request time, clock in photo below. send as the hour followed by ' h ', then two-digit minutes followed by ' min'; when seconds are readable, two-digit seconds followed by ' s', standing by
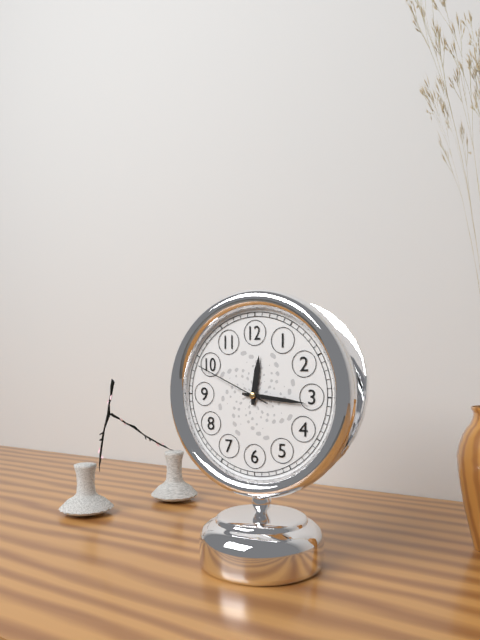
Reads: 12 h 16 min 49 s
